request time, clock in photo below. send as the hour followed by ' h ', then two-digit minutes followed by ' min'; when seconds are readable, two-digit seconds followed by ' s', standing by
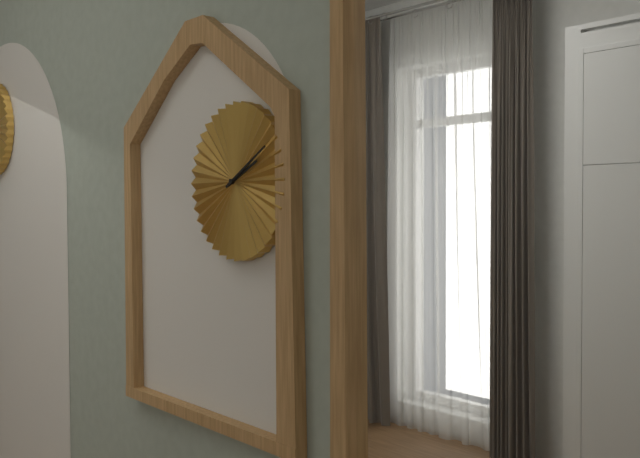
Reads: 2 h 10 min
